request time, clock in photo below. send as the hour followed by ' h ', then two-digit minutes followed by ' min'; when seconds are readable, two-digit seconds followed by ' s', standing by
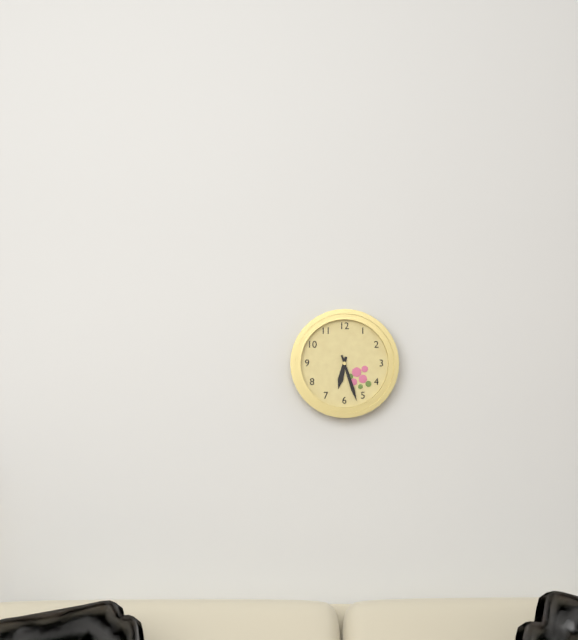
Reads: 6 h 27 min
